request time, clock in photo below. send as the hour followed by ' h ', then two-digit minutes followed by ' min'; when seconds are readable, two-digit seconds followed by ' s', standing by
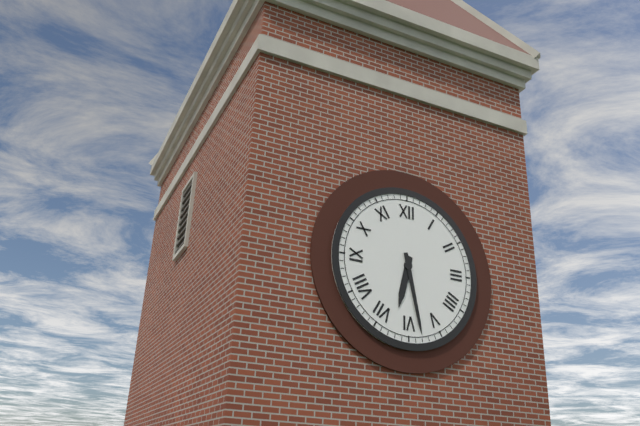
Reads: 6 h 28 min
